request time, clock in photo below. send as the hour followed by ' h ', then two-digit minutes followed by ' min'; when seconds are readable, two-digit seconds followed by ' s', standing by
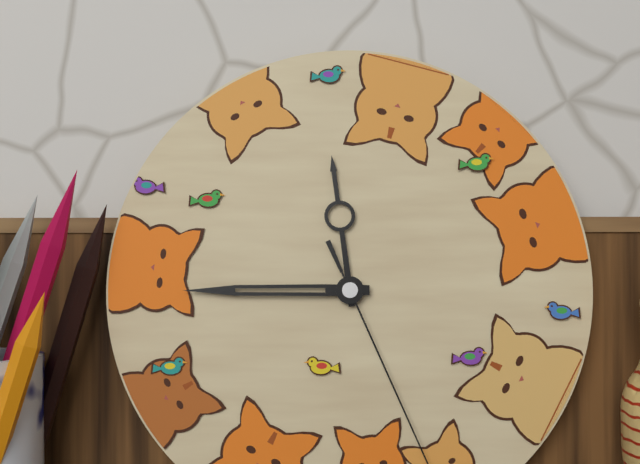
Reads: 11 h 45 min
